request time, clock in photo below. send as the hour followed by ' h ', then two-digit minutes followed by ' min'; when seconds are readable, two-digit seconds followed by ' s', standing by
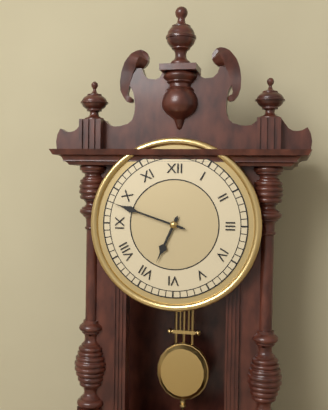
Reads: 6 h 48 min
